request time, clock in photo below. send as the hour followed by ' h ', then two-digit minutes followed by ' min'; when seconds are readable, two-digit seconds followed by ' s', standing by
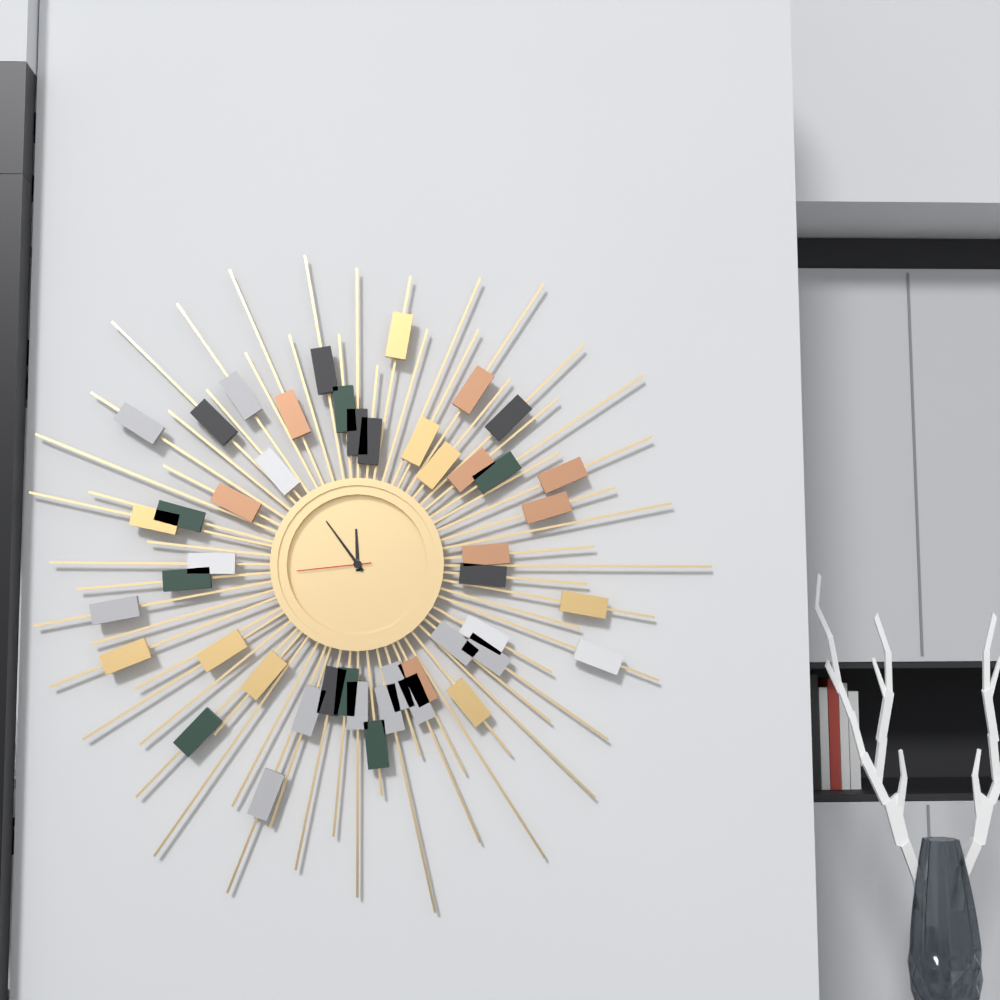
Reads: 11 h 54 min 44 s
